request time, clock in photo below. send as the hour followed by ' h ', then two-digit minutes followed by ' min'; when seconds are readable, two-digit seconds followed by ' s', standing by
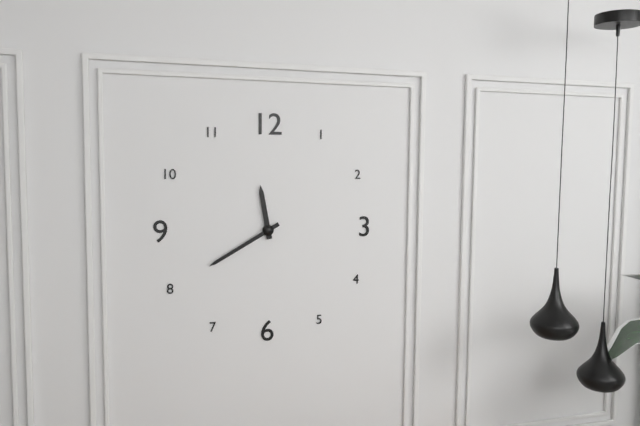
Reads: 11 h 40 min
